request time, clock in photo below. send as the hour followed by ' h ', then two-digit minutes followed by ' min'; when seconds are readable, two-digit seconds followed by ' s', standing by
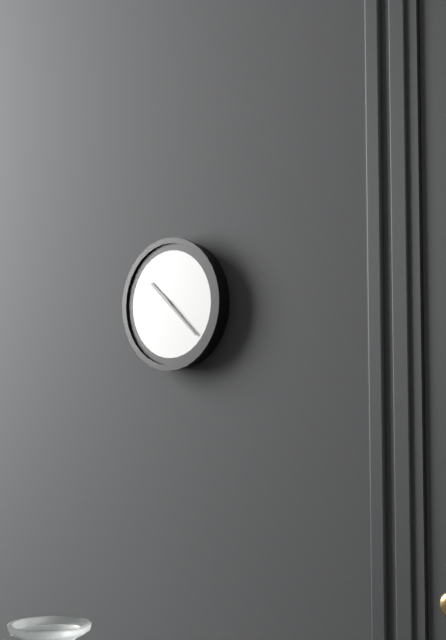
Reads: 10 h 22 min
